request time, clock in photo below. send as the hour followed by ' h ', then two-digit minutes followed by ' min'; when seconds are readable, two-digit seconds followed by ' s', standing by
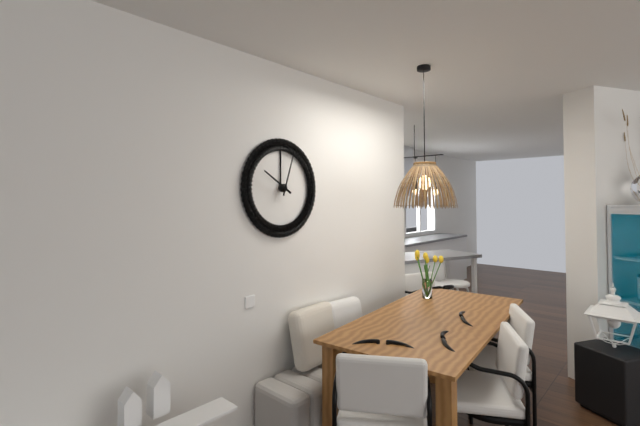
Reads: 10 h 03 min
